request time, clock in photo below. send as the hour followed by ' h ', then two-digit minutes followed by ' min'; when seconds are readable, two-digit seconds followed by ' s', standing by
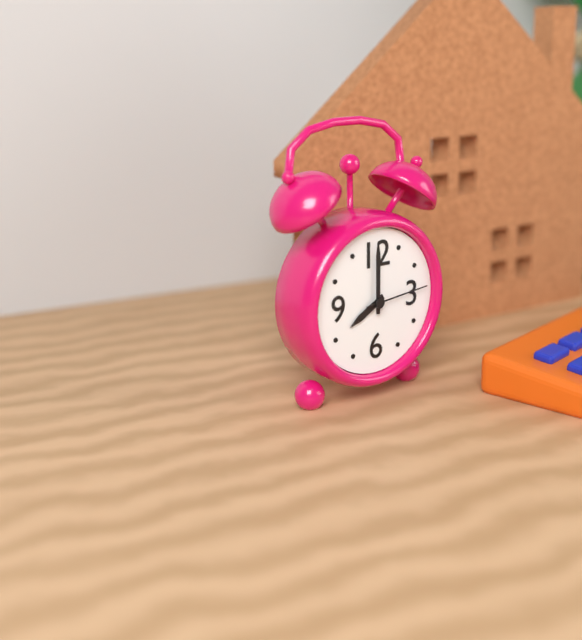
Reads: 8 h 00 min 14 s
